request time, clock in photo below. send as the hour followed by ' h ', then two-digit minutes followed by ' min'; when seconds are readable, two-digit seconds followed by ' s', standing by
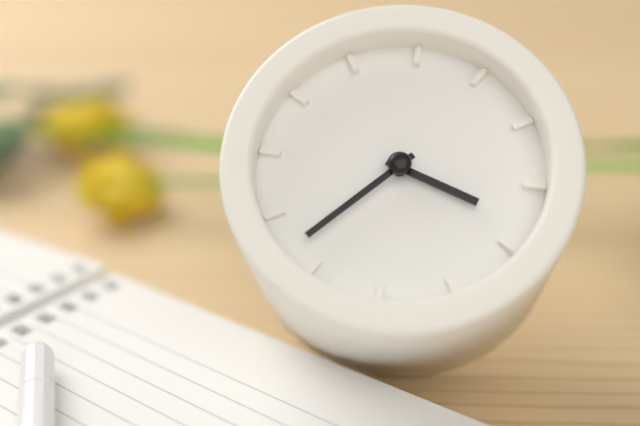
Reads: 3 h 37 min
